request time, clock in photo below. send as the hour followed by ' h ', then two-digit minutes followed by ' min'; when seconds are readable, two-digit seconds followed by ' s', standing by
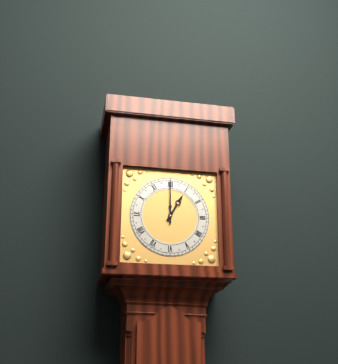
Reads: 1 h 00 min
